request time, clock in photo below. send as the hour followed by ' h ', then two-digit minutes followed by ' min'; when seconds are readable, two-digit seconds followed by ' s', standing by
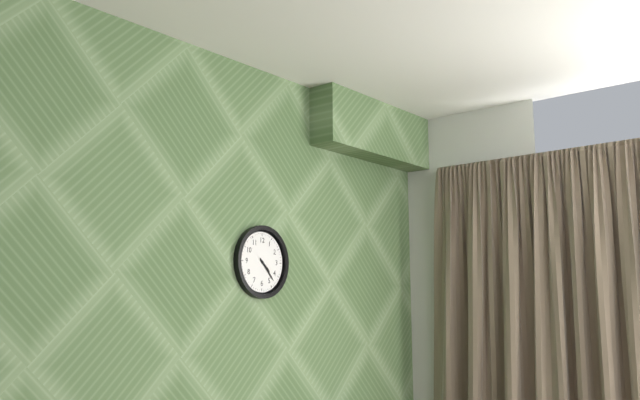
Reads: 4 h 23 min
